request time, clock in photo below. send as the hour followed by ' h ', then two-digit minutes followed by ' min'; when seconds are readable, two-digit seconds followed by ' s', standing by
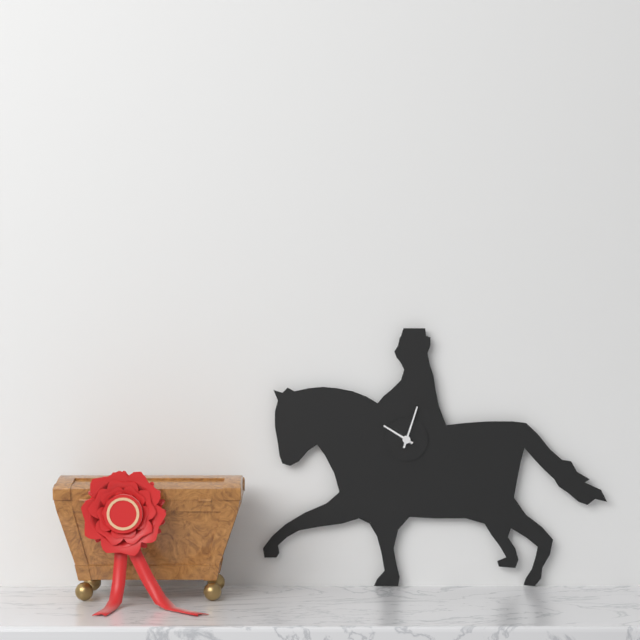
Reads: 10 h 03 min
